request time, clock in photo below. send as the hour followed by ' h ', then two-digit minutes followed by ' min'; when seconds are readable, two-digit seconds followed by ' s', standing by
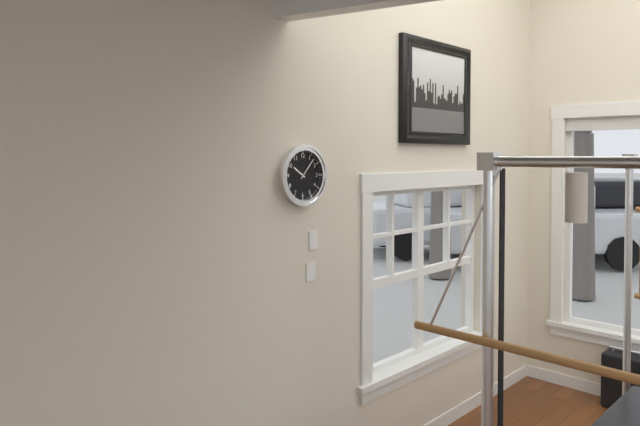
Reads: 10 h 07 min
